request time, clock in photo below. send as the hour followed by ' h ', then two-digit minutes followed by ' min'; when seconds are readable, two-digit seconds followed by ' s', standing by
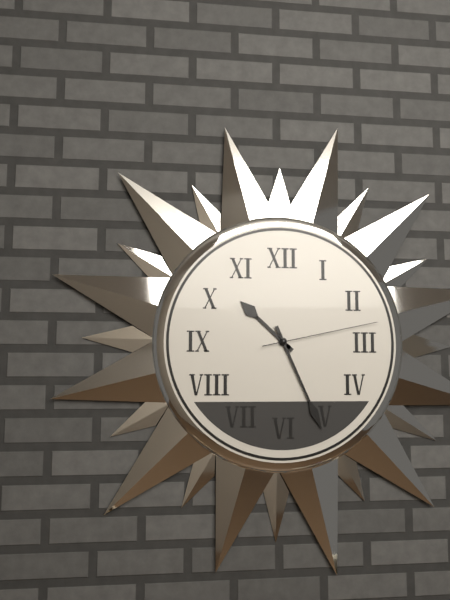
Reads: 10 h 26 min 13 s
